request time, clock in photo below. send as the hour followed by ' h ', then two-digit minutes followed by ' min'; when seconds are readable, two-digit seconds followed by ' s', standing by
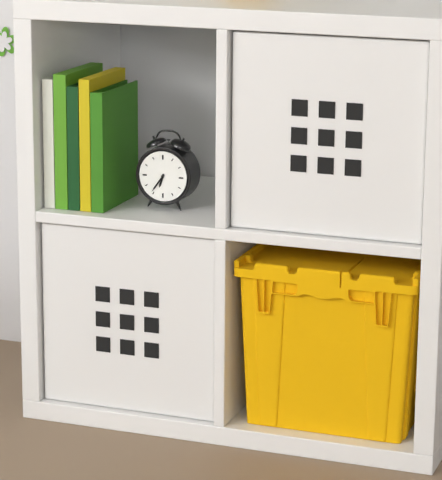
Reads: 6 h 36 min
